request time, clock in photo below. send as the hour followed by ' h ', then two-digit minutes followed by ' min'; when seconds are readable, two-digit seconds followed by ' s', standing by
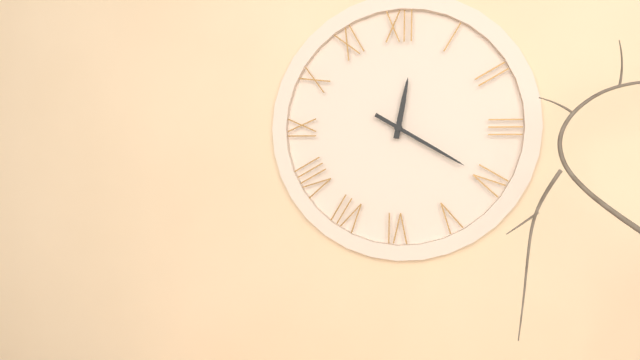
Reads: 12 h 20 min
